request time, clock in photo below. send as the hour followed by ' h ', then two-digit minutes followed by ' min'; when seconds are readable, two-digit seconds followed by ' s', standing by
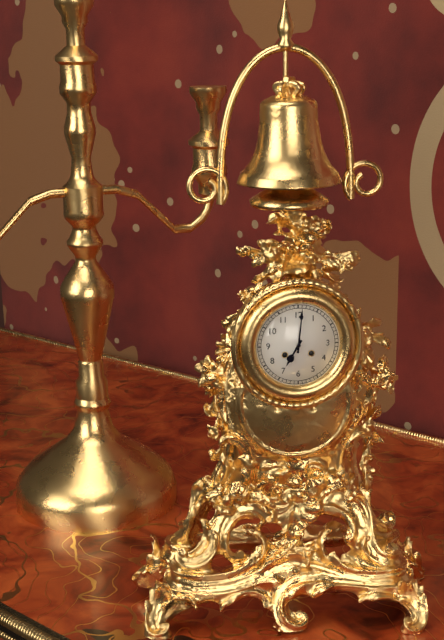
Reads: 7 h 01 min
